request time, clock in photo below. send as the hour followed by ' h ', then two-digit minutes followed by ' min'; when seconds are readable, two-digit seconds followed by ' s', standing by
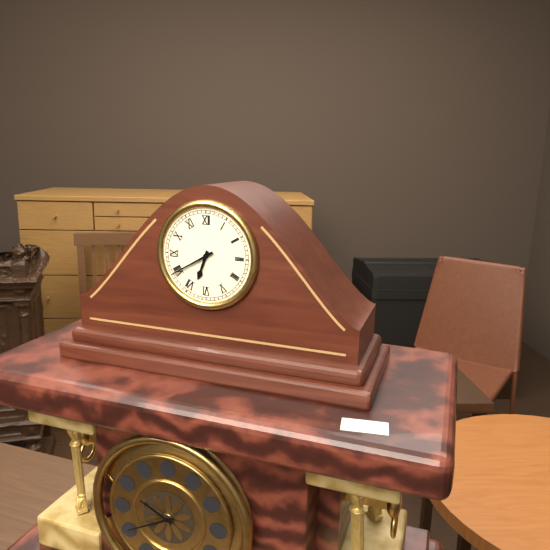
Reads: 6 h 40 min
